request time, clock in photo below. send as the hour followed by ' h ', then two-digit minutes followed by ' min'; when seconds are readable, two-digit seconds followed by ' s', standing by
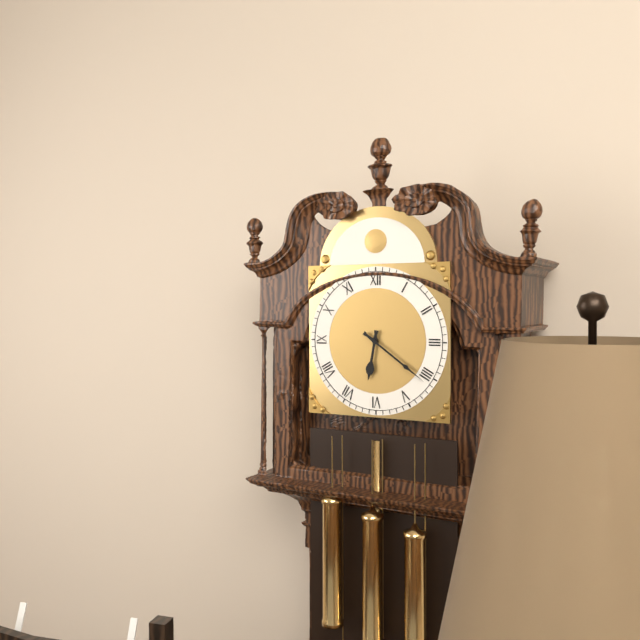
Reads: 6 h 21 min
